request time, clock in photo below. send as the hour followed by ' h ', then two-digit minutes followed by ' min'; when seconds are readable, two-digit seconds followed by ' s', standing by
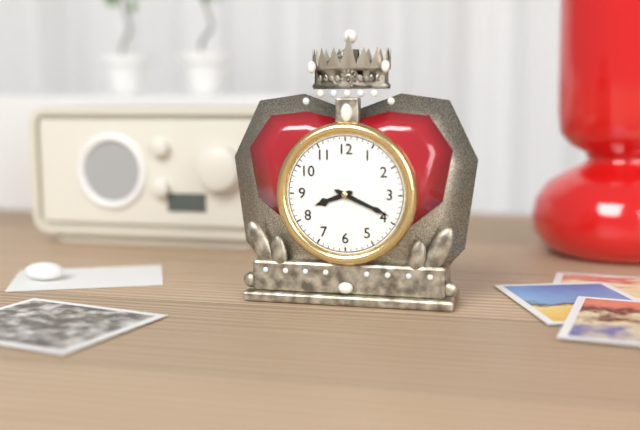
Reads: 8 h 19 min
